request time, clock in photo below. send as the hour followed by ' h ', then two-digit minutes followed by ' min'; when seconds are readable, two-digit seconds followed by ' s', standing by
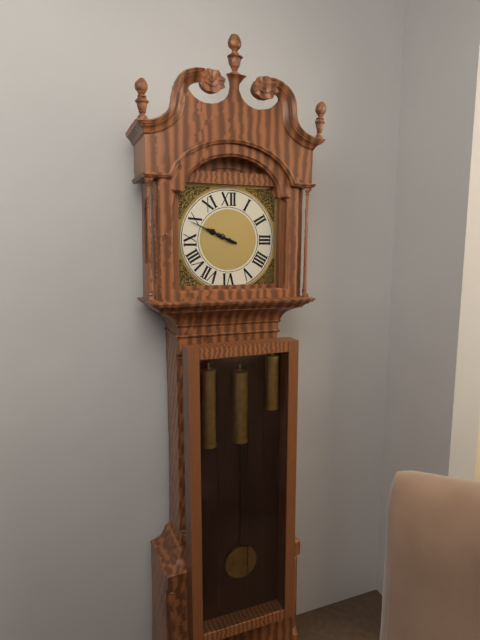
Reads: 9 h 49 min
